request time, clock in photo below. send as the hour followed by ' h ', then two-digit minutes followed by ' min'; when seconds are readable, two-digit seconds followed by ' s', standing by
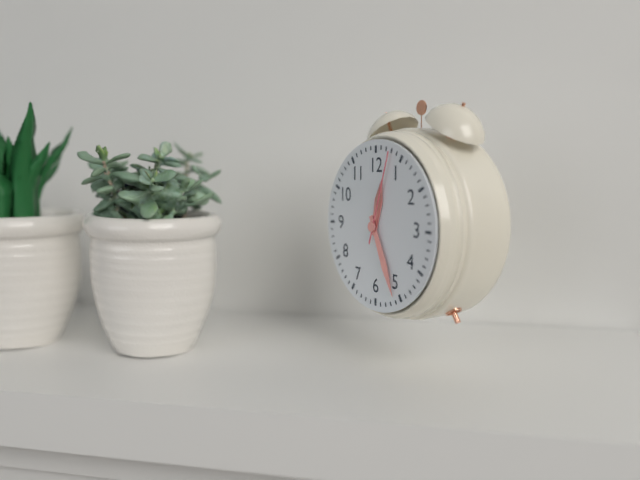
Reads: 12 h 26 min 03 s
